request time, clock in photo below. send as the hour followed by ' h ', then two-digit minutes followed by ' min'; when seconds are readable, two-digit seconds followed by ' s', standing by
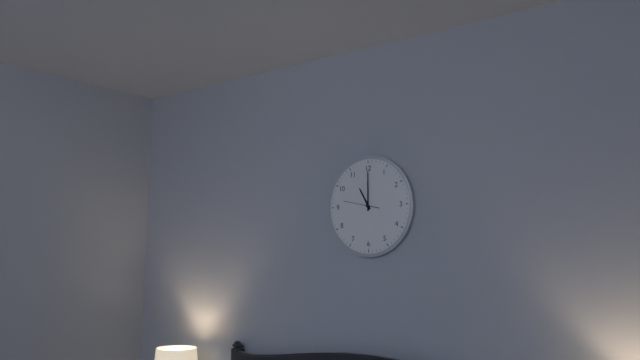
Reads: 11 h 00 min
